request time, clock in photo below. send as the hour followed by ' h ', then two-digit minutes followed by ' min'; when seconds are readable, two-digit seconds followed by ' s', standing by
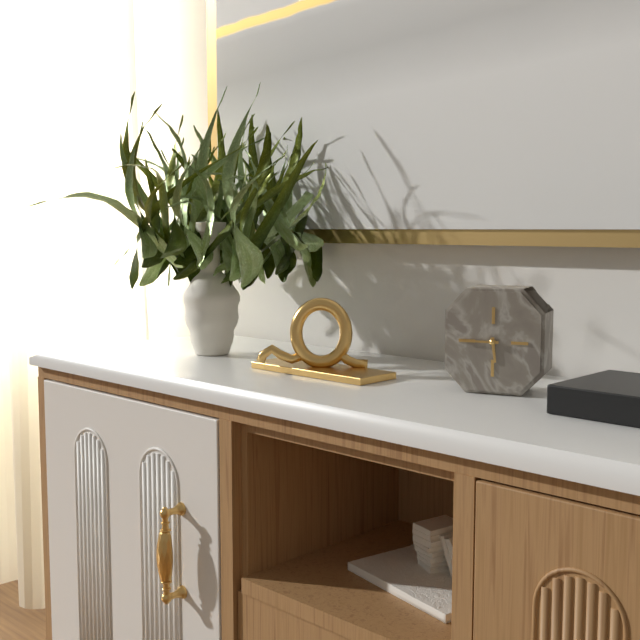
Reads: 5 h 45 min
